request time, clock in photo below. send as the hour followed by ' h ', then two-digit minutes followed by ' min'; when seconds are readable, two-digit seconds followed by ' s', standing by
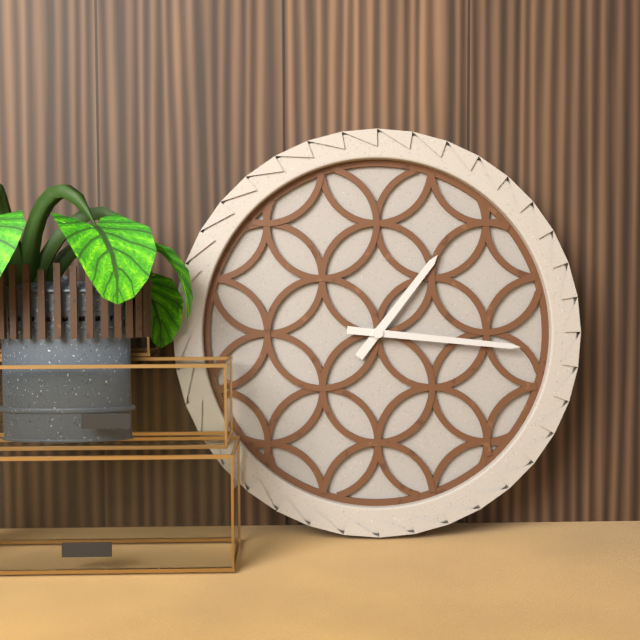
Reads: 1 h 16 min
